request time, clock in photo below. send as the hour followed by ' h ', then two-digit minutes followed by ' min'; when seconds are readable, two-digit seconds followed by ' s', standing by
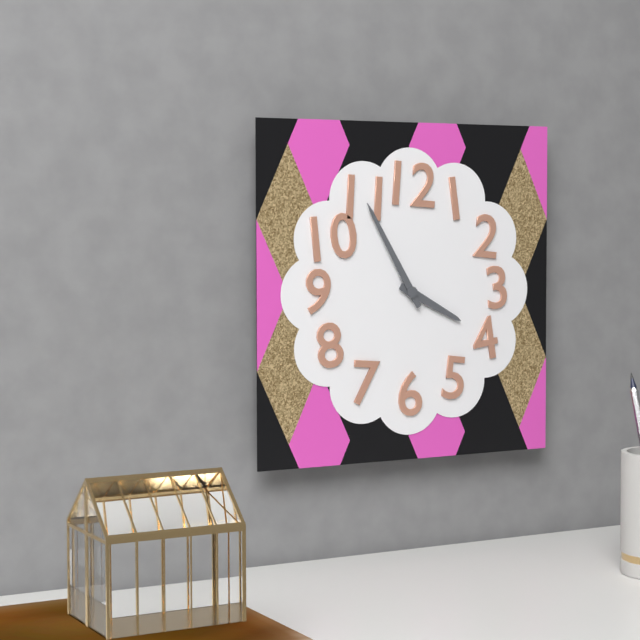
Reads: 3 h 55 min
